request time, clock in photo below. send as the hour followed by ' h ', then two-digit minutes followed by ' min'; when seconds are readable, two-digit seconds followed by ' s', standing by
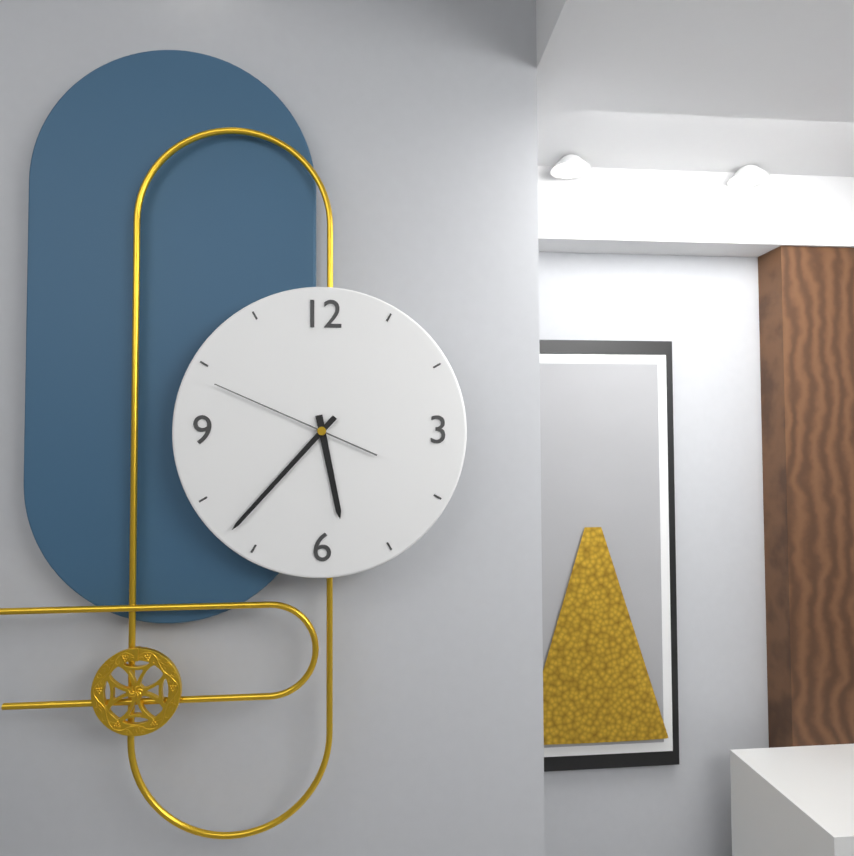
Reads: 5 h 37 min 49 s
